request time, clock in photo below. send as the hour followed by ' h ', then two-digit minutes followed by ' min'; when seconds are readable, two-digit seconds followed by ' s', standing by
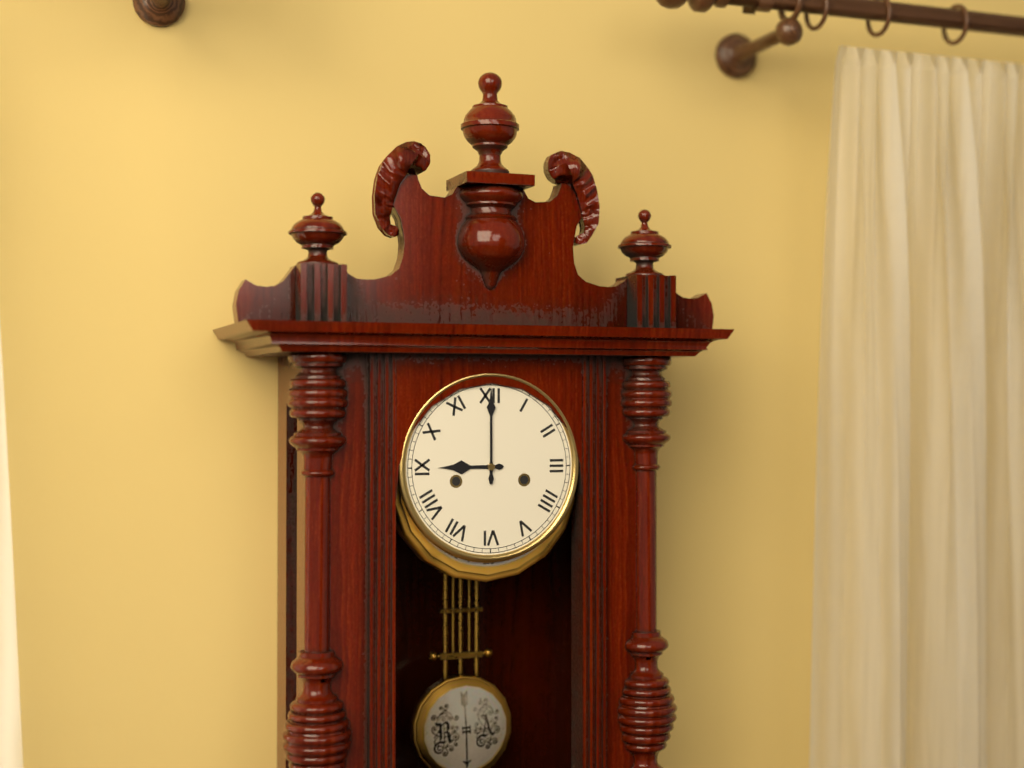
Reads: 9 h 00 min
